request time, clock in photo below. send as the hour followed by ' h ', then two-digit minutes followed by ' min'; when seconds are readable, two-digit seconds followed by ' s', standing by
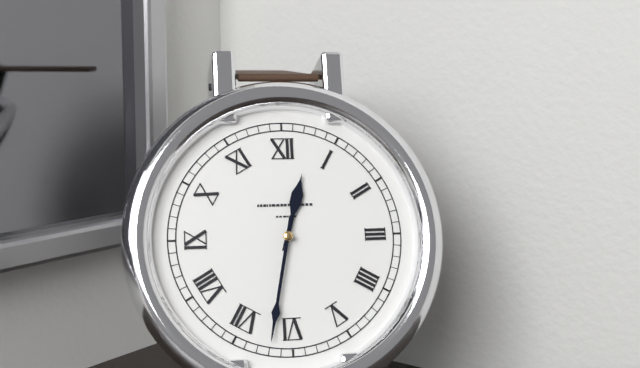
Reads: 12 h 32 min
